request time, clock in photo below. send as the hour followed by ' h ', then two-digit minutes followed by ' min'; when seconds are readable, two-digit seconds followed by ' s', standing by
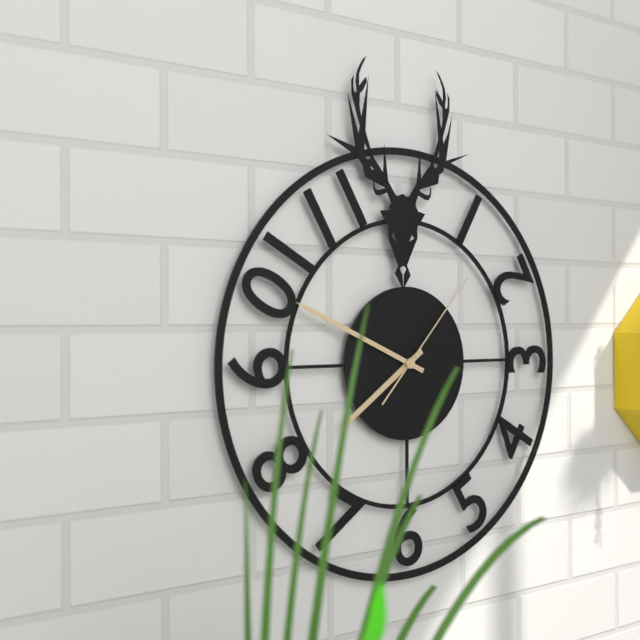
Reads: 7 h 49 min 07 s
